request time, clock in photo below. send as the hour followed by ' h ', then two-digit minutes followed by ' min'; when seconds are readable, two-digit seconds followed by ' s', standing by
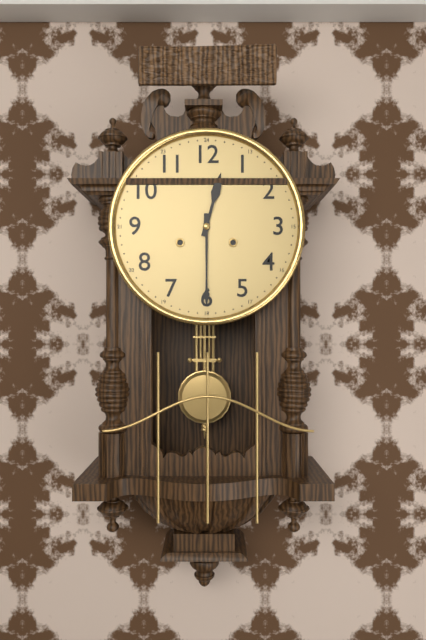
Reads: 12 h 30 min
